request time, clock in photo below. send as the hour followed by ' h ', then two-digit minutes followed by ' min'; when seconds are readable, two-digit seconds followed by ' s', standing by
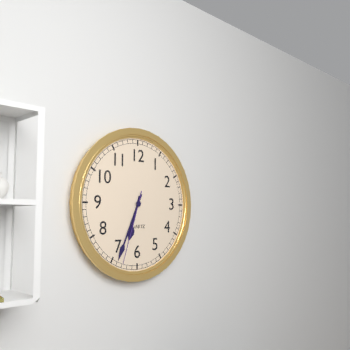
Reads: 6 h 34 min 33 s
